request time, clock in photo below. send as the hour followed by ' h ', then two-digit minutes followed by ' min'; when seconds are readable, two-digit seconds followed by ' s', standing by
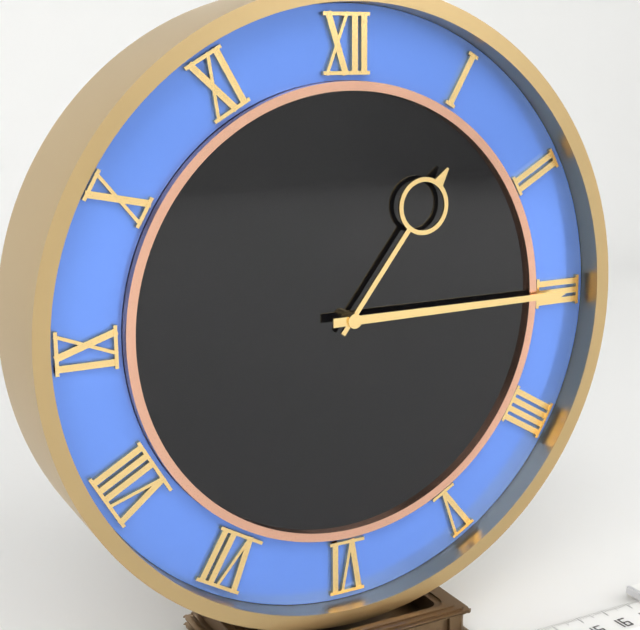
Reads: 1 h 15 min
